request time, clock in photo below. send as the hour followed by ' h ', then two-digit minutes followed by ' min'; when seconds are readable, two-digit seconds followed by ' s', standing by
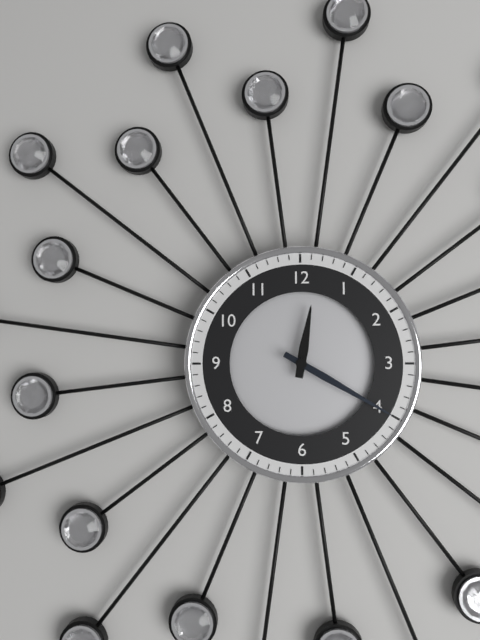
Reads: 12 h 20 min
